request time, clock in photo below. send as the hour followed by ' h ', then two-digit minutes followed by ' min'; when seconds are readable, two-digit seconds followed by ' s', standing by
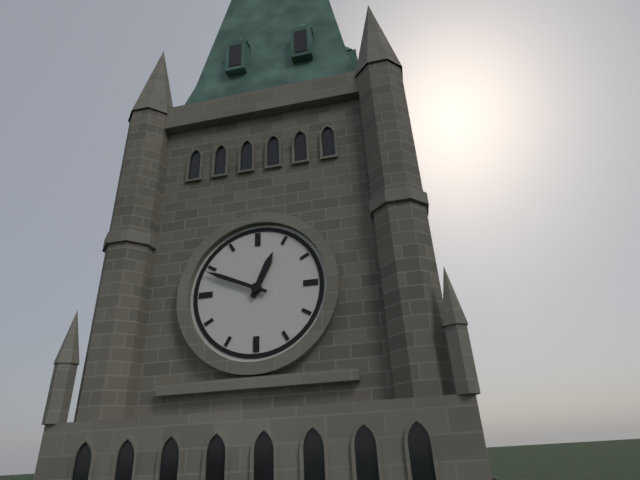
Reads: 12 h 49 min
